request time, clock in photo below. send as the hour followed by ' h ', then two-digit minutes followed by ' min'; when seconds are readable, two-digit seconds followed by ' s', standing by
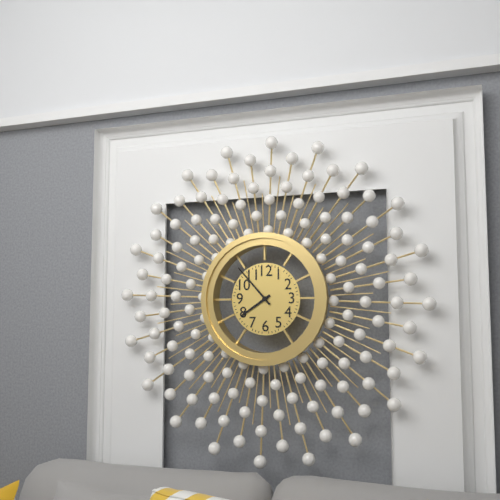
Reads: 7 h 53 min
